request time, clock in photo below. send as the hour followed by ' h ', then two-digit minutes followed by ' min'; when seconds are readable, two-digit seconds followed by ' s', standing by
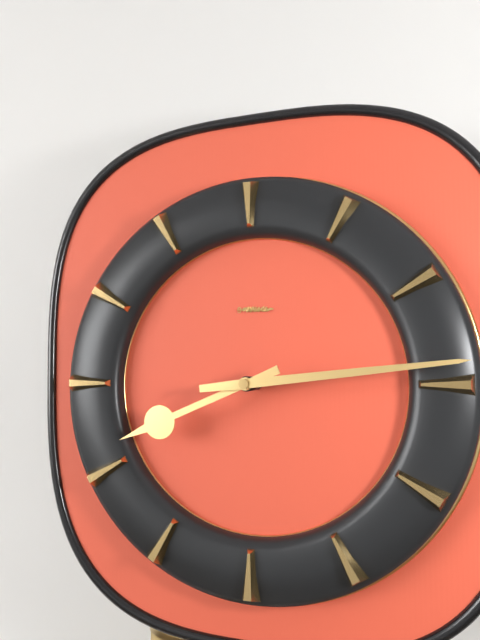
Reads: 8 h 14 min
